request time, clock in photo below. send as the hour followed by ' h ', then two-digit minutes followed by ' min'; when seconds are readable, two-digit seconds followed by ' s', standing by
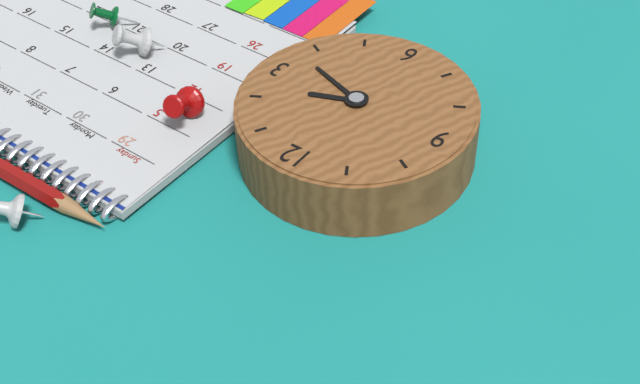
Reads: 2 h 18 min
